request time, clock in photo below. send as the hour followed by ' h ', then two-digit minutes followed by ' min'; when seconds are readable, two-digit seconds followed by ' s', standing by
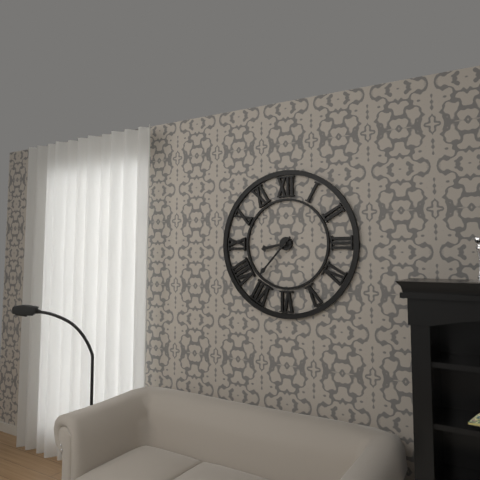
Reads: 8 h 37 min
